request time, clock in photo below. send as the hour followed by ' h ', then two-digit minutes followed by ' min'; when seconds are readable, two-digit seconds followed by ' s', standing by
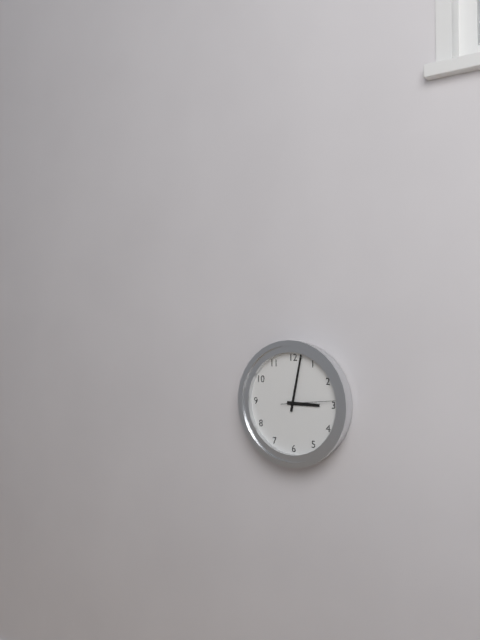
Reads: 3 h 02 min 14 s
